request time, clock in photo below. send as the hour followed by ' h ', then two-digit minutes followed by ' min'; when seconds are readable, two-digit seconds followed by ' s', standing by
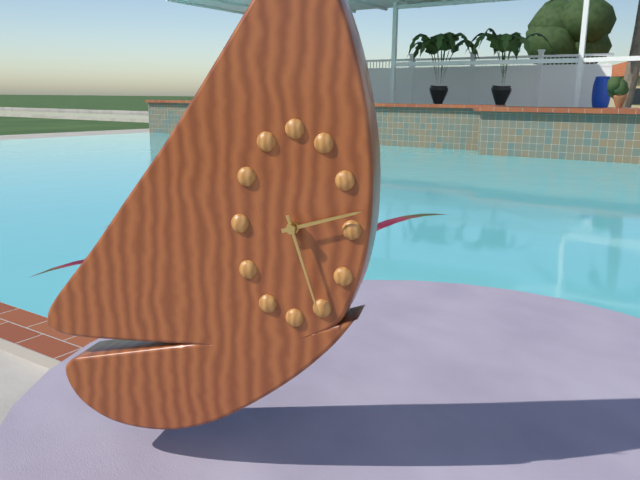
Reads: 2 h 27 min
